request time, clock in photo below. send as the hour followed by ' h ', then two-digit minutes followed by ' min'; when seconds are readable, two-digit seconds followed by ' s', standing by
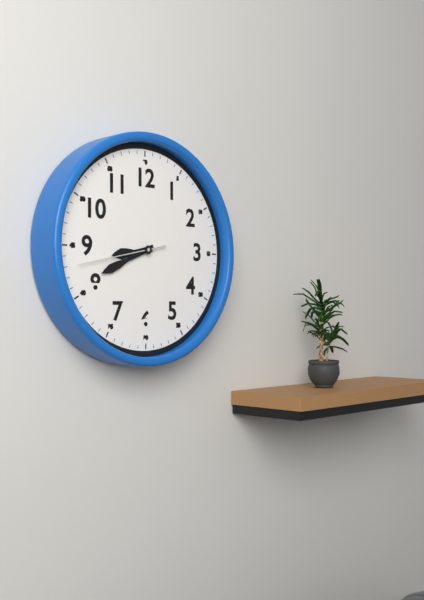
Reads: 8 h 41 min 43 s
